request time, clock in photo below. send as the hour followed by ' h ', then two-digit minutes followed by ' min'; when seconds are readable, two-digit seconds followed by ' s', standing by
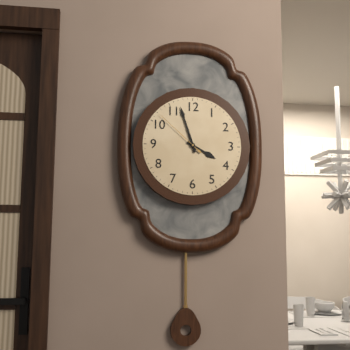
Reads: 3 h 57 min 52 s
